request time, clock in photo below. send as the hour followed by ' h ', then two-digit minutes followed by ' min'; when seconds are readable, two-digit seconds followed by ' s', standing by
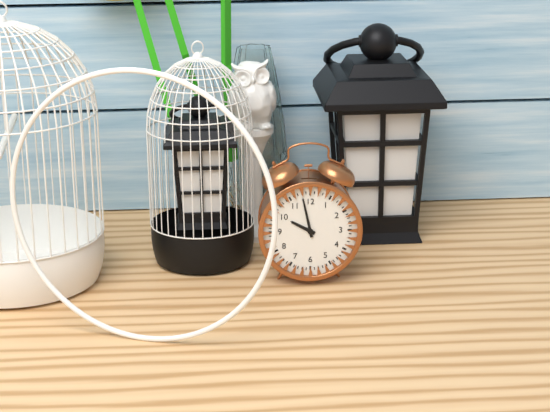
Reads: 9 h 58 min
